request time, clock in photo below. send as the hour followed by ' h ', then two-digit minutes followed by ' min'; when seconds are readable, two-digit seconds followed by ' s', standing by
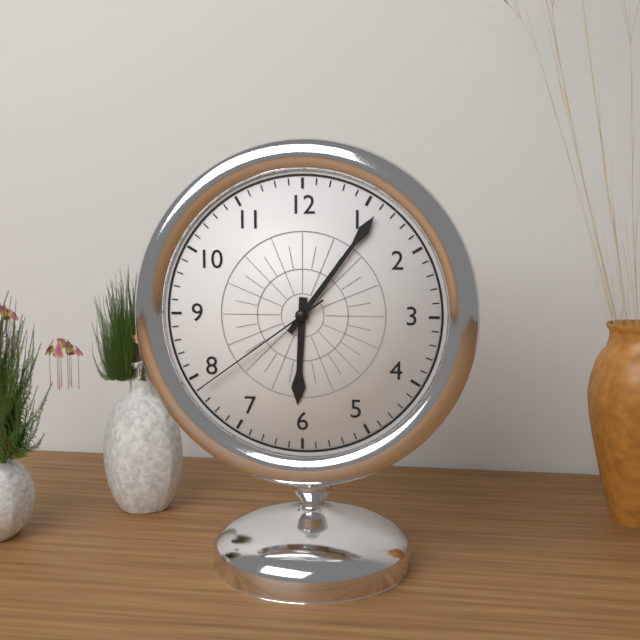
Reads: 6 h 06 min 39 s
